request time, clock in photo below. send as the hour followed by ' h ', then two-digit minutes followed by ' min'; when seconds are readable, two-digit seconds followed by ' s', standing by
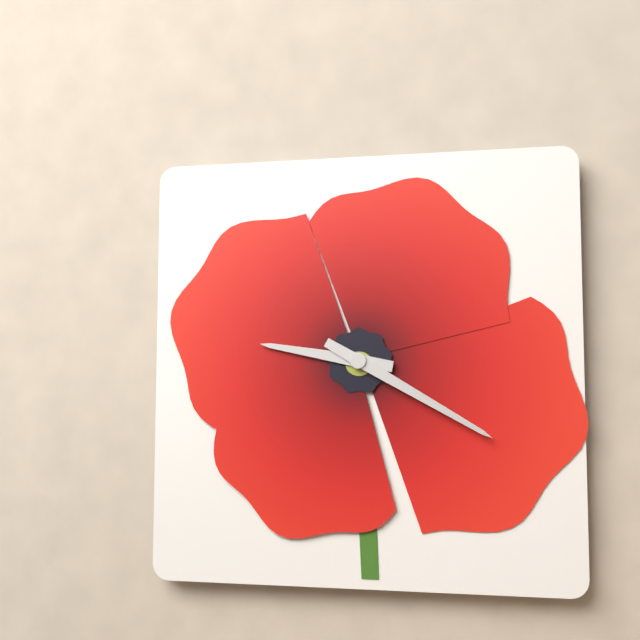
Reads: 9 h 20 min
